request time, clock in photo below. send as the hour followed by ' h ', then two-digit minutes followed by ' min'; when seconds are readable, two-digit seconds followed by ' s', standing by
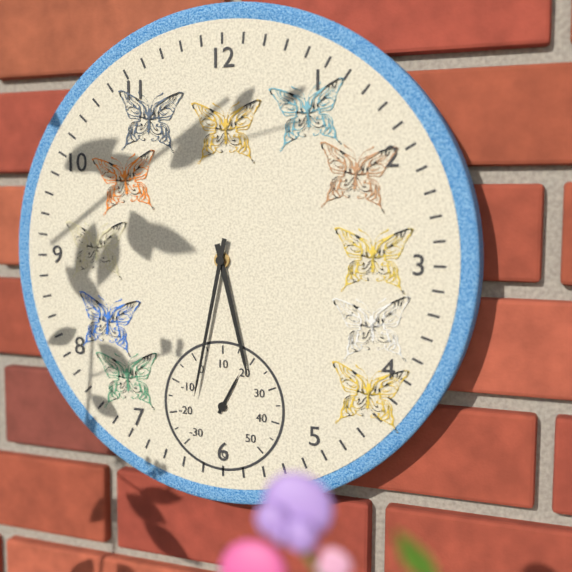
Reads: 5 h 32 min
